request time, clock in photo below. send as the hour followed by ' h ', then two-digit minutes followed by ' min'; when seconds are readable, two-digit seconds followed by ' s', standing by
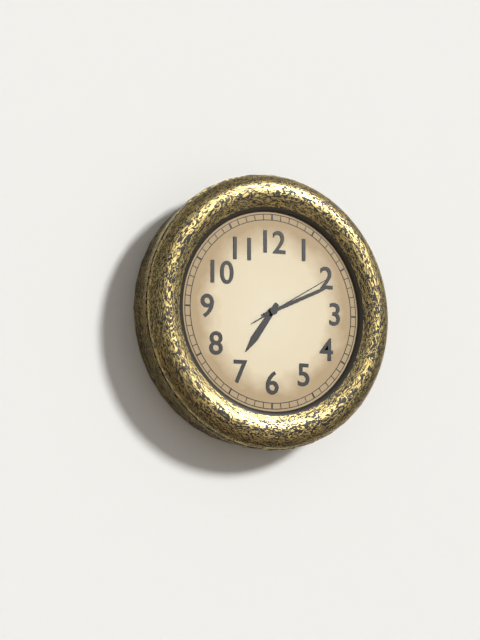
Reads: 7 h 11 min 10 s
